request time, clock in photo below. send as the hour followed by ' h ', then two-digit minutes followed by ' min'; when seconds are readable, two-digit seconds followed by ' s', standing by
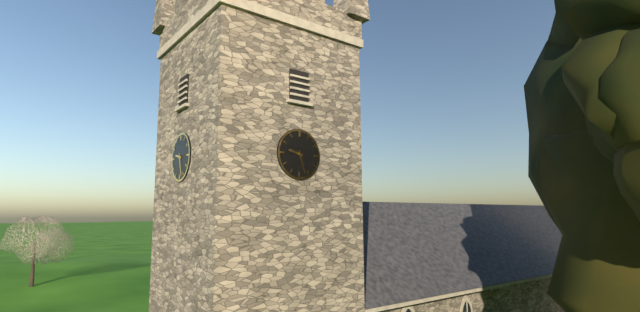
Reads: 9 h 27 min
